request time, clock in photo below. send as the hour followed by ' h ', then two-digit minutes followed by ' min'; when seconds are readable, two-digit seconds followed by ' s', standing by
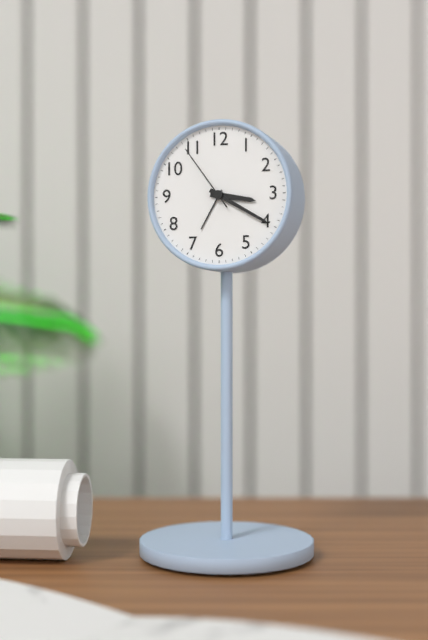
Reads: 3 h 20 min 54 s
